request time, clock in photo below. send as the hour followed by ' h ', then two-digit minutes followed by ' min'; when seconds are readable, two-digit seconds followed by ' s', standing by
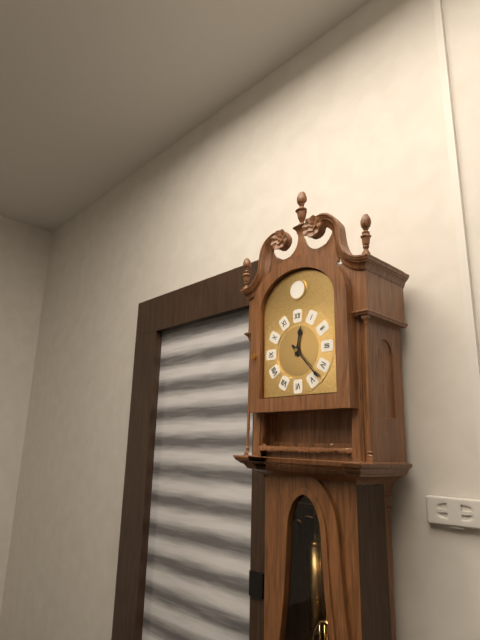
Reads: 12 h 23 min
